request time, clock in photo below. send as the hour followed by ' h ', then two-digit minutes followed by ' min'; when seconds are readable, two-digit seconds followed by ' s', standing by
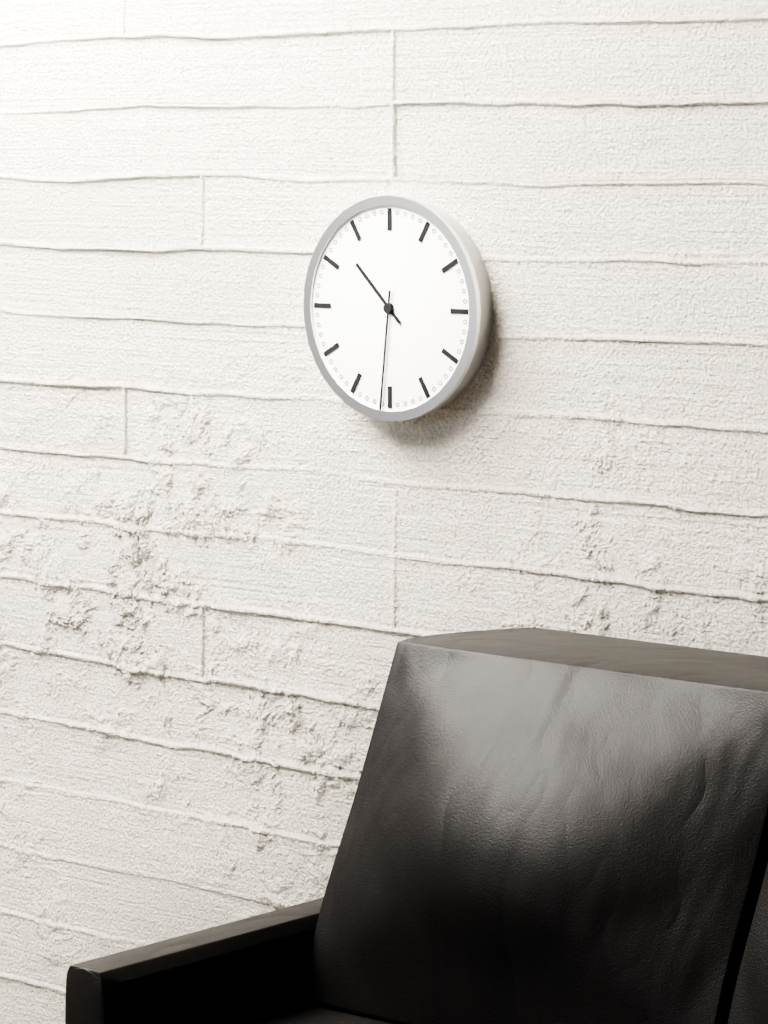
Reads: 10 h 31 min
